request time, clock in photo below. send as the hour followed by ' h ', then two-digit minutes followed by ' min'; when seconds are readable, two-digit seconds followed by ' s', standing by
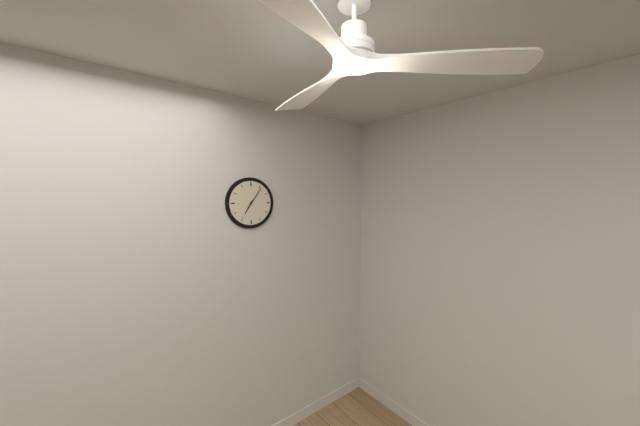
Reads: 7 h 06 min
